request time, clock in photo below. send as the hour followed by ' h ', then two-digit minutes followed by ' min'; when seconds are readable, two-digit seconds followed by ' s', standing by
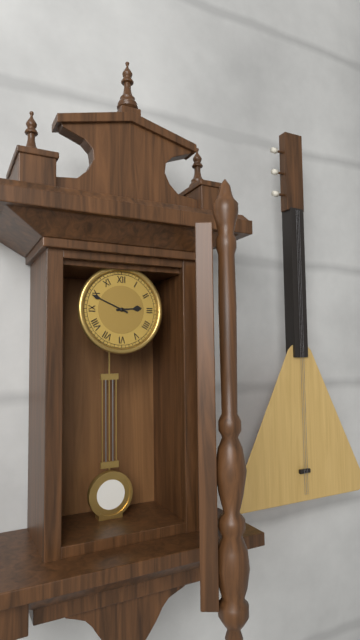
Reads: 2 h 49 min
